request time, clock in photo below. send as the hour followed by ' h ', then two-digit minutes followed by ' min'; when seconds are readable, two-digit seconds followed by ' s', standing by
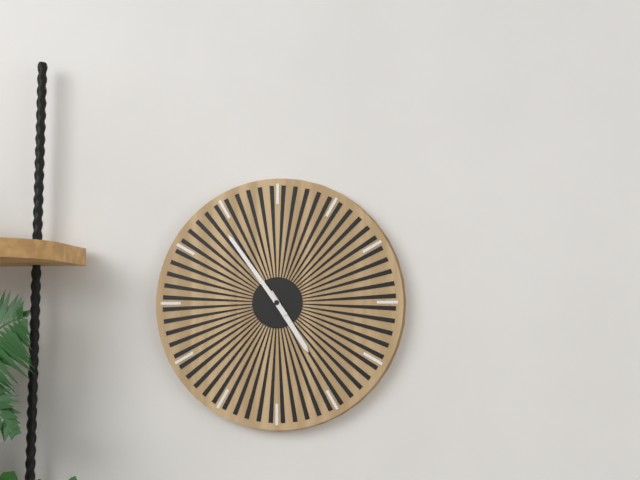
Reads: 4 h 54 min
